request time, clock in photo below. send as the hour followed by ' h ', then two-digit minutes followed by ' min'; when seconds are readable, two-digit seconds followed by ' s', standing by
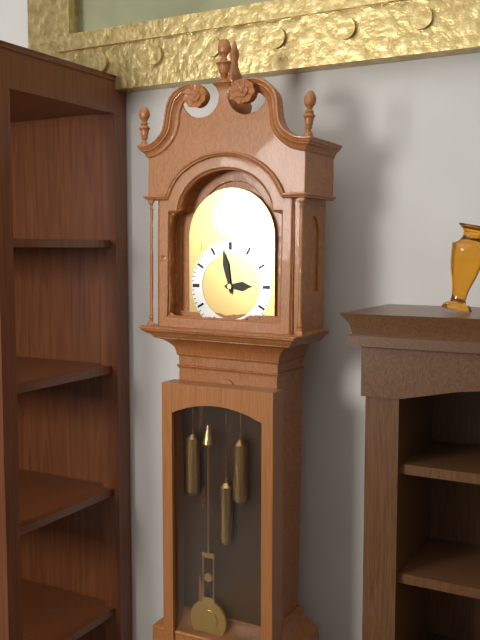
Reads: 2 h 58 min
